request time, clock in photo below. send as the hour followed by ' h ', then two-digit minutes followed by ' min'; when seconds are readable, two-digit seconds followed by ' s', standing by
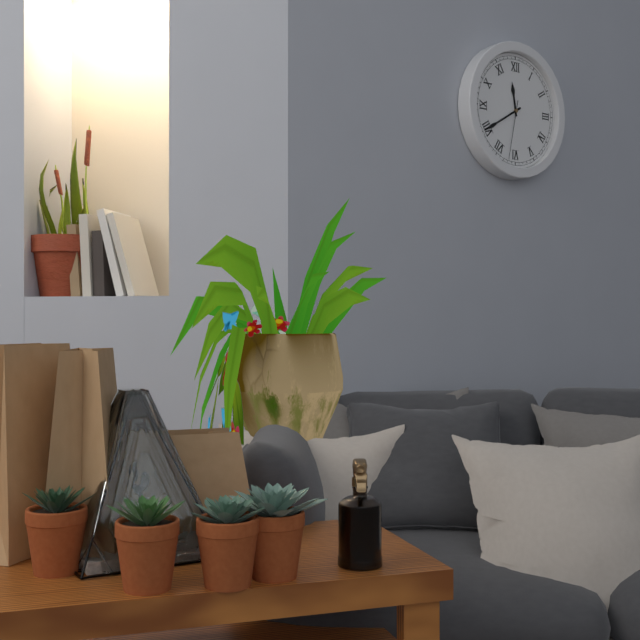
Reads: 11 h 40 min 32 s
